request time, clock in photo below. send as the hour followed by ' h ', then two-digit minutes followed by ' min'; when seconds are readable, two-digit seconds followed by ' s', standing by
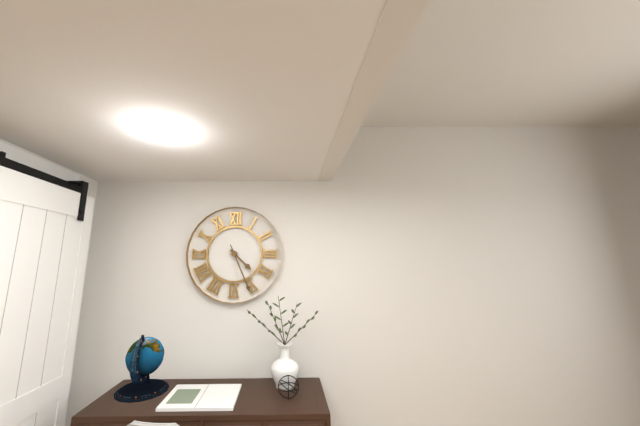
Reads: 4 h 26 min
